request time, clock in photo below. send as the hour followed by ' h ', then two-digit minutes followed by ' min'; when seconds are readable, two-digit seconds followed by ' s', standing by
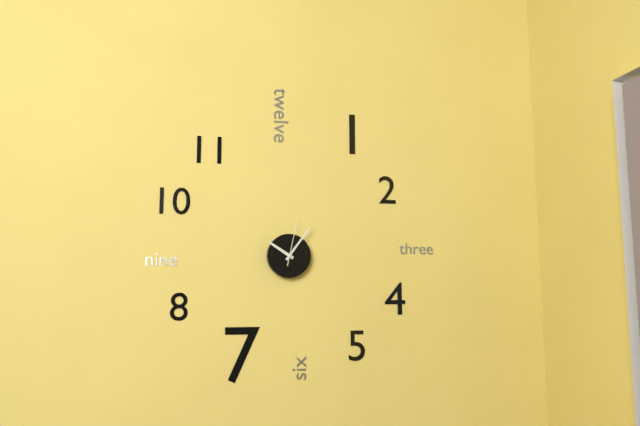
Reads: 10 h 06 min
